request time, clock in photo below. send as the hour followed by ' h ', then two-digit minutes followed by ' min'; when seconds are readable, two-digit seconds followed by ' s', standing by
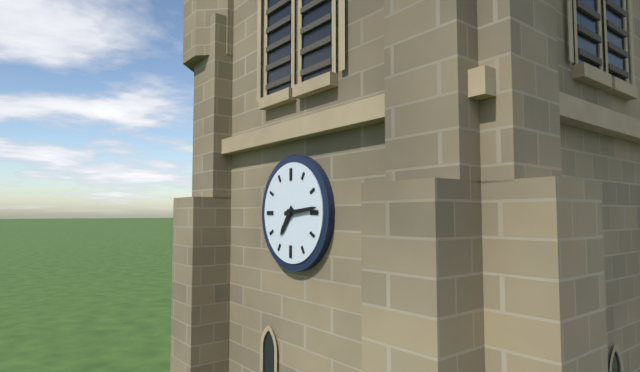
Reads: 7 h 14 min
